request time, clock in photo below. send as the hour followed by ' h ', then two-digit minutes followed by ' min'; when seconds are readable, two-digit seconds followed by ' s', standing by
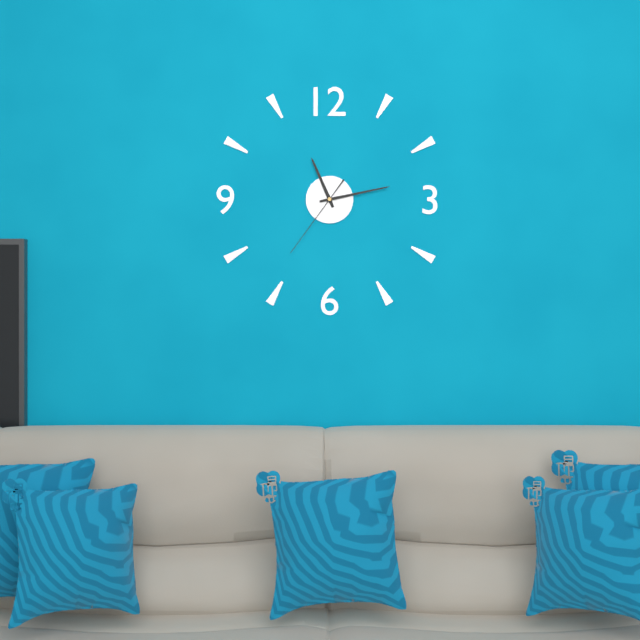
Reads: 11 h 13 min 36 s
